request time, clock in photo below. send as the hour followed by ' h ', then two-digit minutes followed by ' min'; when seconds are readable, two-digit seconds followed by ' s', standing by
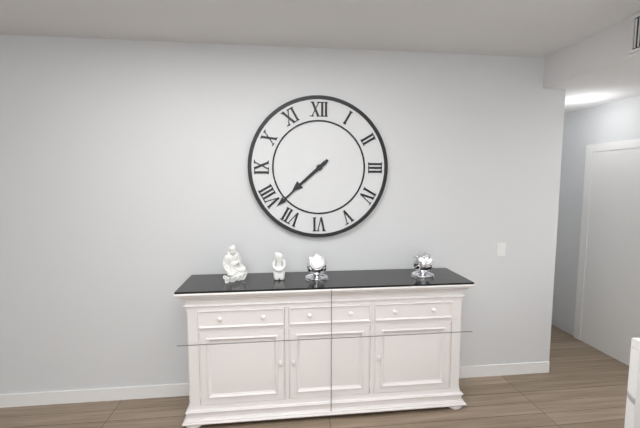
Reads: 7 h 38 min
